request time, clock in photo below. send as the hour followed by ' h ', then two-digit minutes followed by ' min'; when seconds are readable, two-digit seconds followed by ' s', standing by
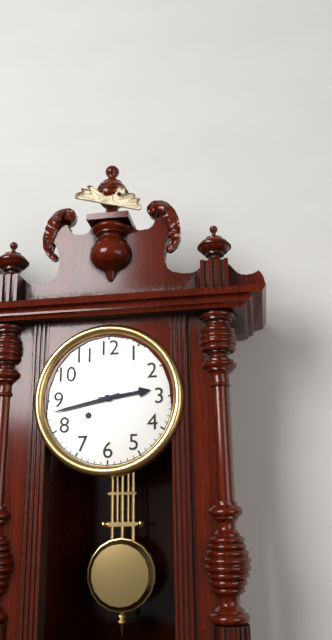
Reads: 2 h 43 min
